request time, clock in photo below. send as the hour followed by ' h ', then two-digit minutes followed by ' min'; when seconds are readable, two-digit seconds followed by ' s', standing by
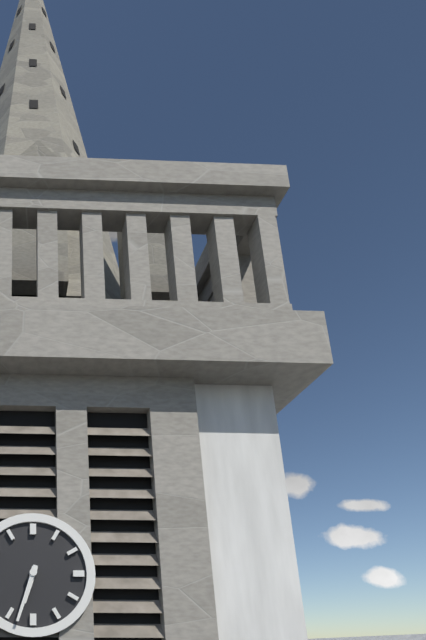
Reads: 6 h 33 min
